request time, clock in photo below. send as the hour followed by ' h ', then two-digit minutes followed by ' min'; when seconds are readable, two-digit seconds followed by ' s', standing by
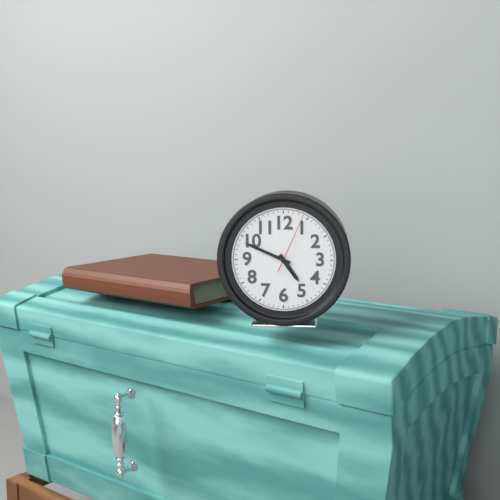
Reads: 4 h 49 min 04 s
